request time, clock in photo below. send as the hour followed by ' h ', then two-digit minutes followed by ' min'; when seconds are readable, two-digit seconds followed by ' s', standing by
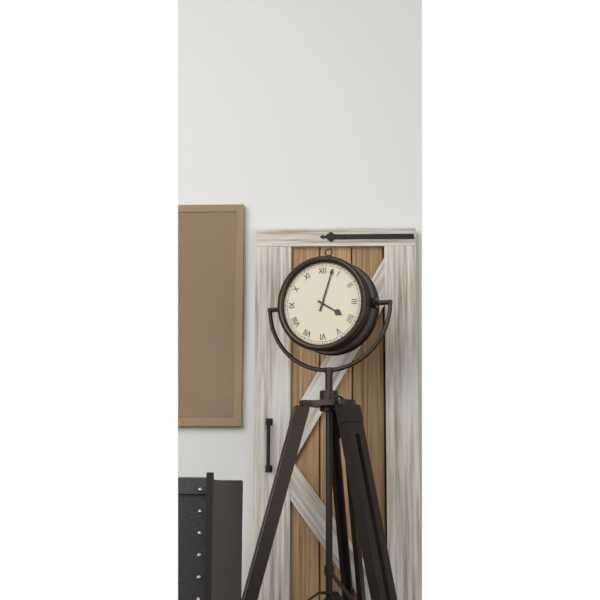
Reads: 4 h 03 min
